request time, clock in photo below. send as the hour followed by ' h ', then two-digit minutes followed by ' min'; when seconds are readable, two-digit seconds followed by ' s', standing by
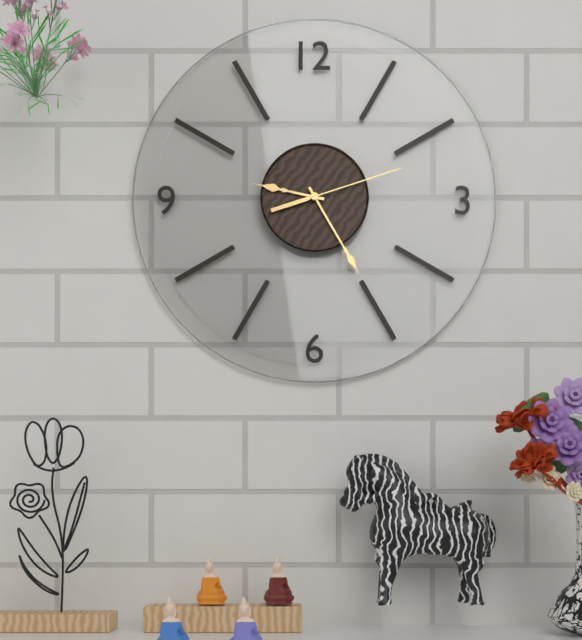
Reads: 9 h 25 min 12 s
